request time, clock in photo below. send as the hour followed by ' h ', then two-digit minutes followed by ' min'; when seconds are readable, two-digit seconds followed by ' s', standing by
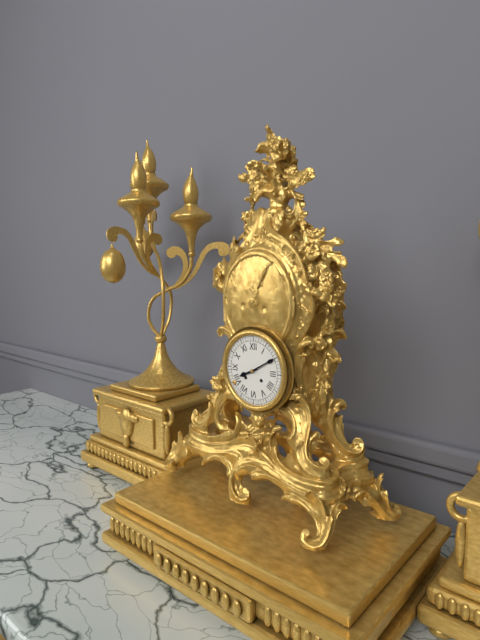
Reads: 8 h 10 min
